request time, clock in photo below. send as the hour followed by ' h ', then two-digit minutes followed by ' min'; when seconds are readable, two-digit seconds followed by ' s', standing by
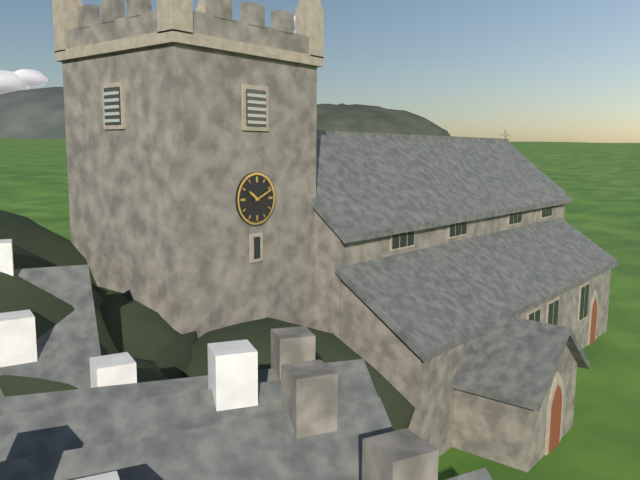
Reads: 10 h 11 min
